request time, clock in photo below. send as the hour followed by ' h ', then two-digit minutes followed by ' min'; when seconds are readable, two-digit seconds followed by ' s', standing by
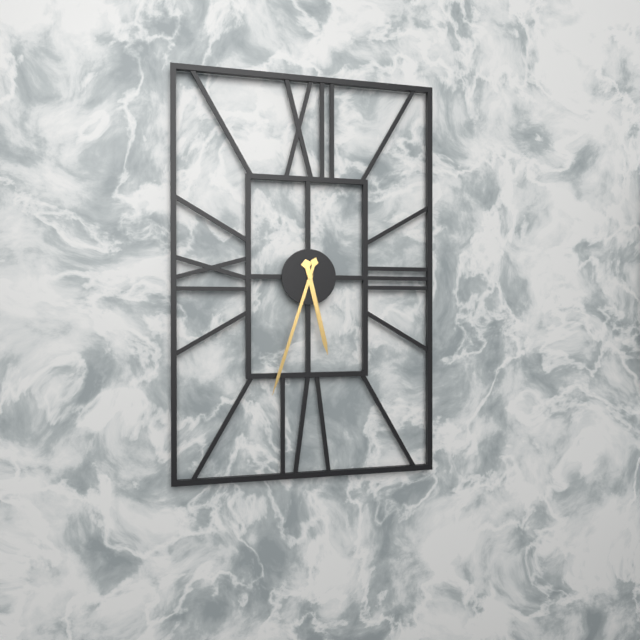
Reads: 5 h 33 min
